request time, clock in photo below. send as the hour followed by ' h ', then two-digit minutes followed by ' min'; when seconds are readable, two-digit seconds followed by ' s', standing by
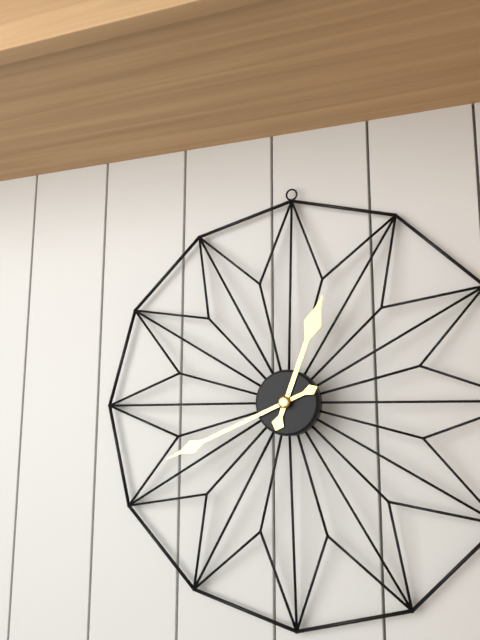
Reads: 12 h 41 min
